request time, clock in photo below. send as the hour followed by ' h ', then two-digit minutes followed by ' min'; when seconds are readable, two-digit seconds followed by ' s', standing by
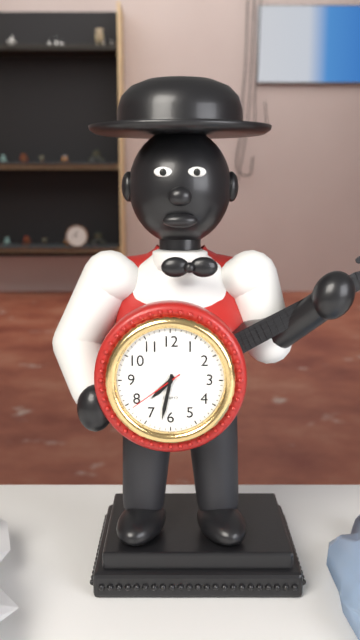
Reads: 7 h 32 min 39 s
